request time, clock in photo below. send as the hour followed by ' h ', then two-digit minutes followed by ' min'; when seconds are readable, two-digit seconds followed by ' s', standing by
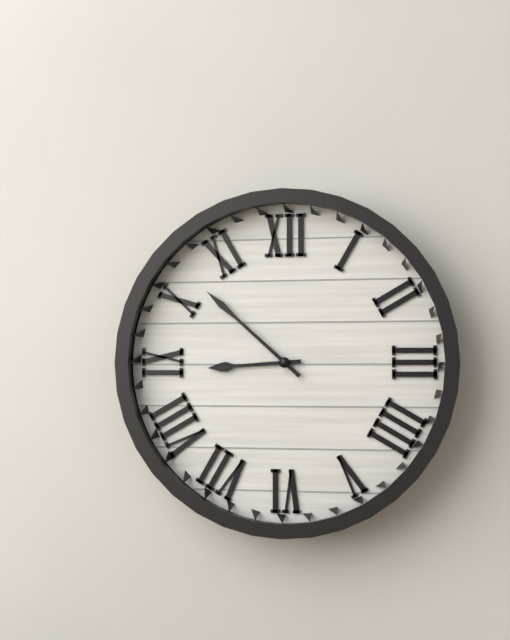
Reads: 8 h 52 min
